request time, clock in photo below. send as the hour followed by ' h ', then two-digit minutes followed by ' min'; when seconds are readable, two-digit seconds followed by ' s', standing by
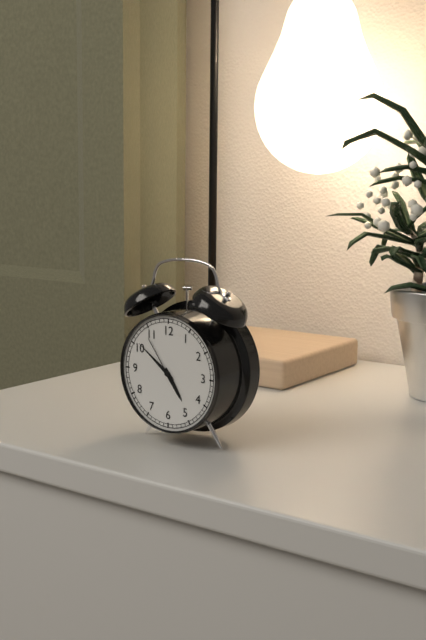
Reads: 4 h 51 min 54 s
